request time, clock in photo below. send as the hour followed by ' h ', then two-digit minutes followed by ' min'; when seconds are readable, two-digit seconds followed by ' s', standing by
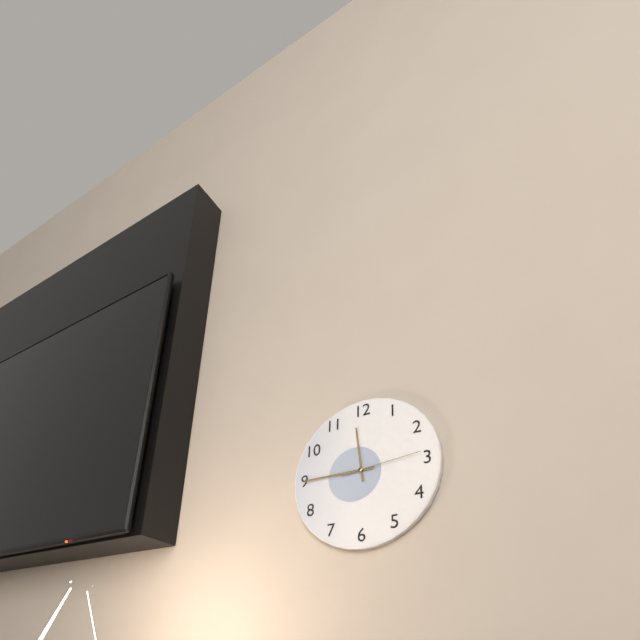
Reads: 11 h 45 min 14 s
